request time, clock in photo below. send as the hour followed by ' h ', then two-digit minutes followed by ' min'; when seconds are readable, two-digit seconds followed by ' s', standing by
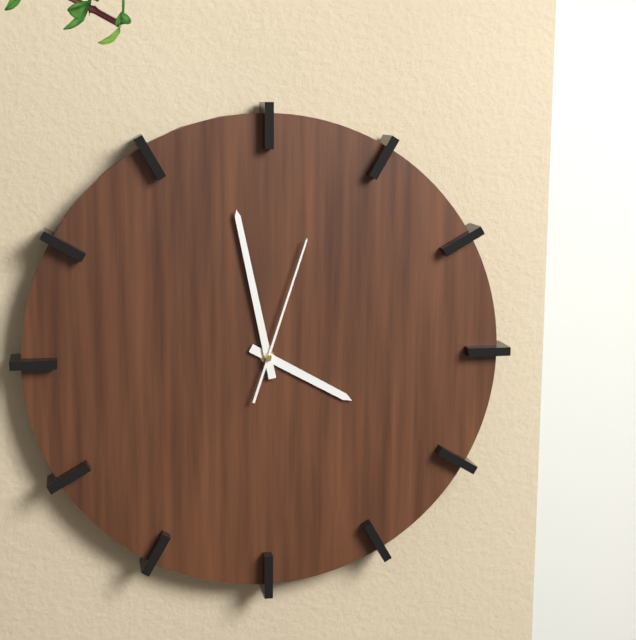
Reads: 3 h 58 min 03 s
